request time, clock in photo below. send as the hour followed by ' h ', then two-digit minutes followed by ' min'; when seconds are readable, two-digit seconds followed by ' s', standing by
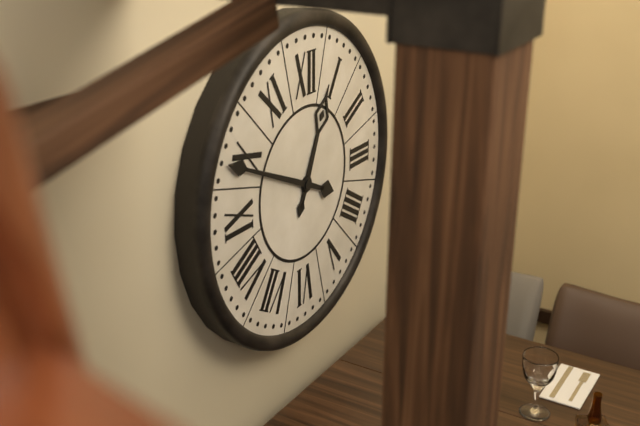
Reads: 12 h 49 min
